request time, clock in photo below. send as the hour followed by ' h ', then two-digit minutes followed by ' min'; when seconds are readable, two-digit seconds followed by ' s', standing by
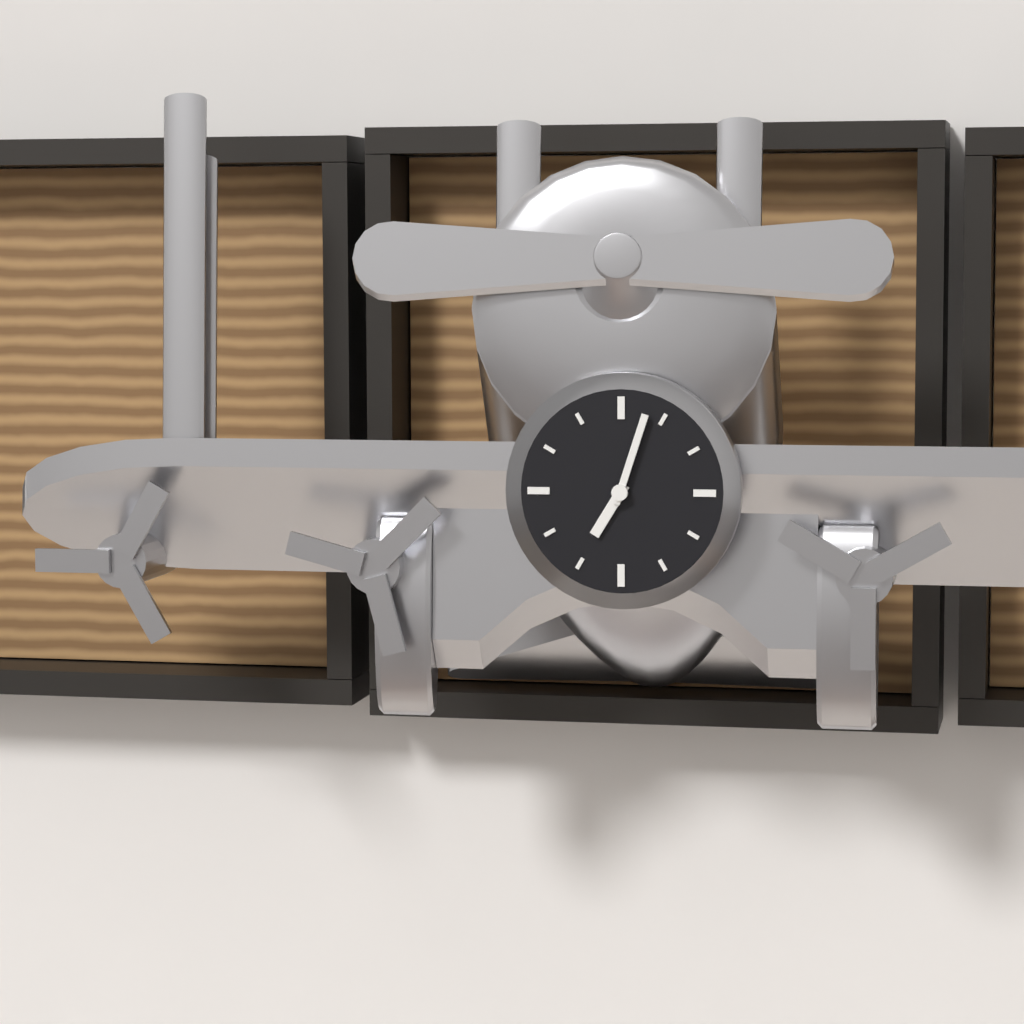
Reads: 7 h 03 min
